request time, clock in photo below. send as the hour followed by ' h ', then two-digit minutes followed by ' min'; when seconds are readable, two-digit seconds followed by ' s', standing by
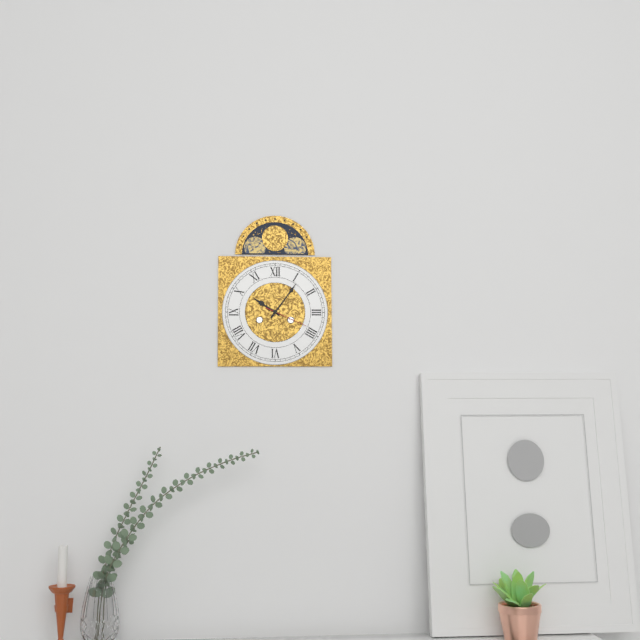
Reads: 10 h 06 min
